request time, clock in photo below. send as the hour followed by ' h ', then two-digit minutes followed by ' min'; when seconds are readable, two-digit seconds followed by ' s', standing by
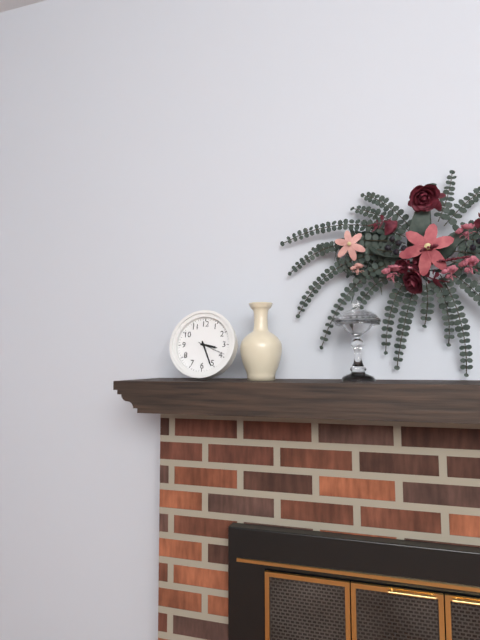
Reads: 3 h 26 min
